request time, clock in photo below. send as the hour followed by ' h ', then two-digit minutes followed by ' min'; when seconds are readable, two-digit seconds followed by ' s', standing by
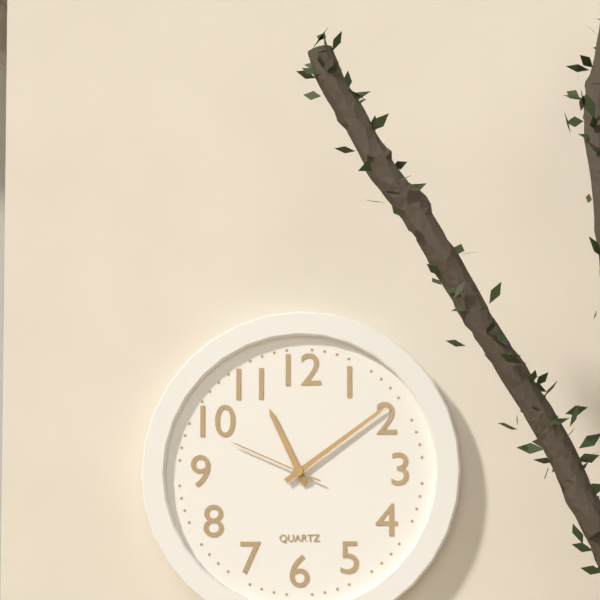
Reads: 11 h 09 min 49 s
